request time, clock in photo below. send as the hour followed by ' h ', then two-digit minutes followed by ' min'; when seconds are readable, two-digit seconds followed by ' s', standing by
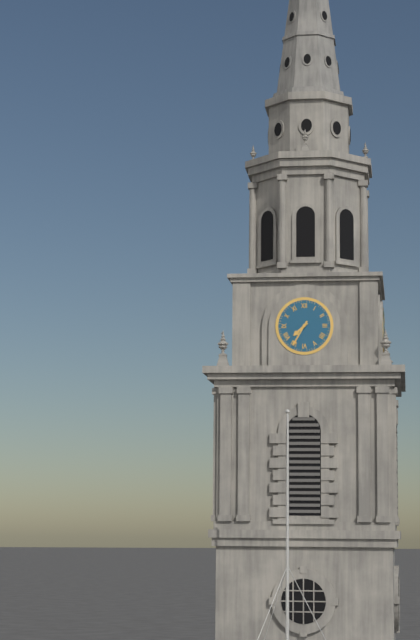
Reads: 7 h 35 min
